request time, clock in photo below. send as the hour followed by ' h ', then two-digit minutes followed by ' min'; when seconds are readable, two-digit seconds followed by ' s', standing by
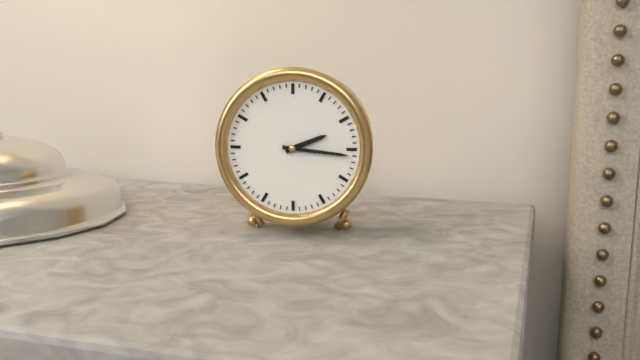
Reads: 2 h 16 min
